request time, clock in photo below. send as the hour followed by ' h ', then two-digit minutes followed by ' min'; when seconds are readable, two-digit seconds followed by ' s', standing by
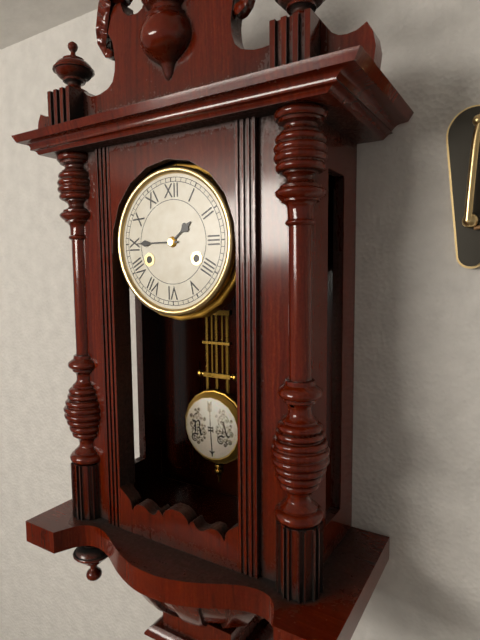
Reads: 1 h 45 min
